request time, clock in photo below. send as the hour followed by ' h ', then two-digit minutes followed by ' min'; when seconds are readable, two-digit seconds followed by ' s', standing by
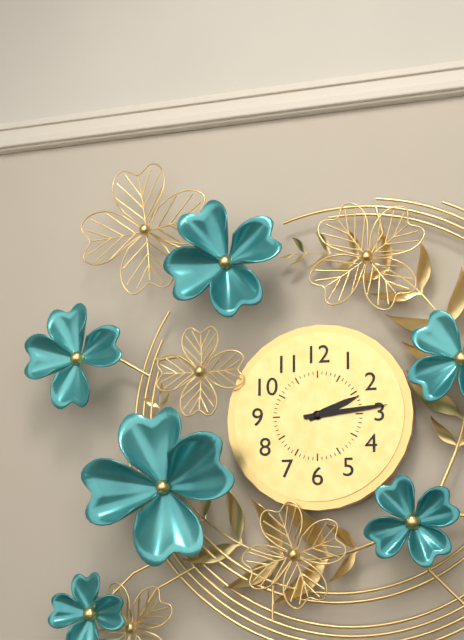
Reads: 2 h 14 min
